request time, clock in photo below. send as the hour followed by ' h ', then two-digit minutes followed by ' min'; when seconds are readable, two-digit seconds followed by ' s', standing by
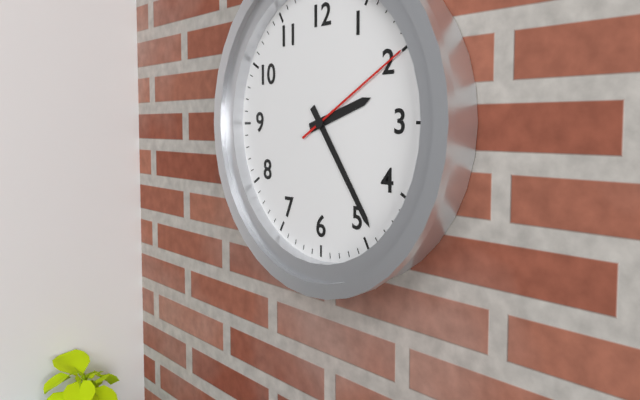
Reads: 2 h 24 min 10 s
